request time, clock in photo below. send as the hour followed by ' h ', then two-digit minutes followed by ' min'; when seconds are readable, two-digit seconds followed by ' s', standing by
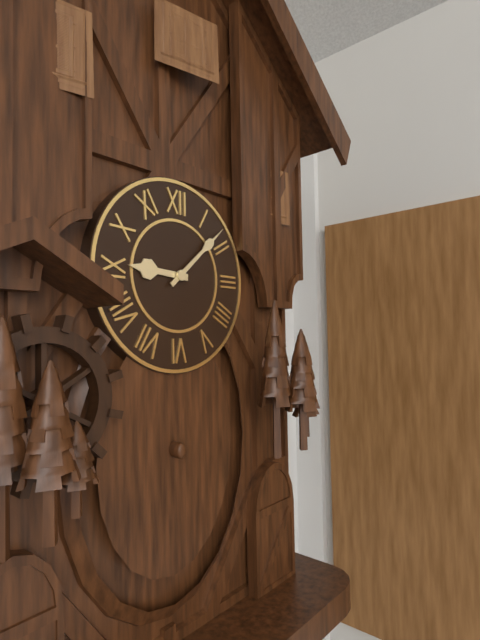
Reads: 9 h 08 min
